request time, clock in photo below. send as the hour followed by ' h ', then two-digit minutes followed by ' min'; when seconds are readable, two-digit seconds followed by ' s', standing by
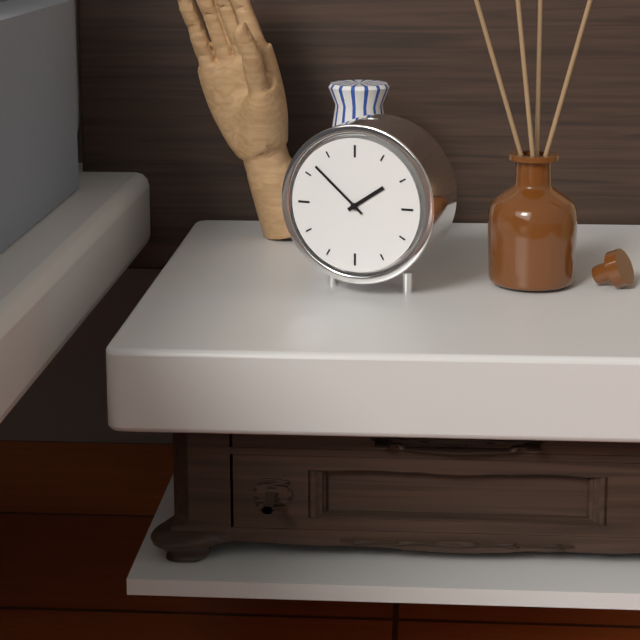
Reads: 1 h 52 min
